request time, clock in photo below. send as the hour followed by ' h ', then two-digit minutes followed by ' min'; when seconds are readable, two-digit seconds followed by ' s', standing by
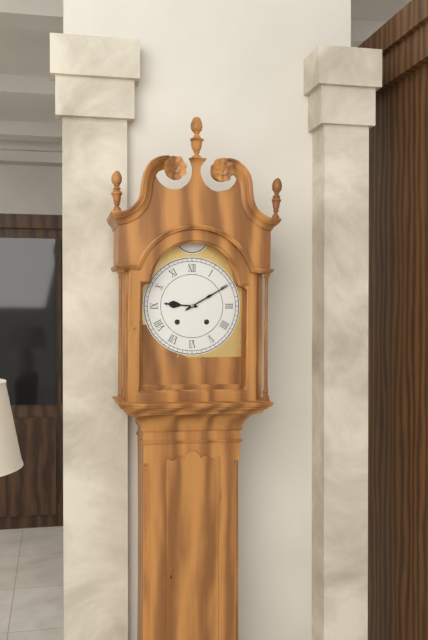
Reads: 9 h 10 min
